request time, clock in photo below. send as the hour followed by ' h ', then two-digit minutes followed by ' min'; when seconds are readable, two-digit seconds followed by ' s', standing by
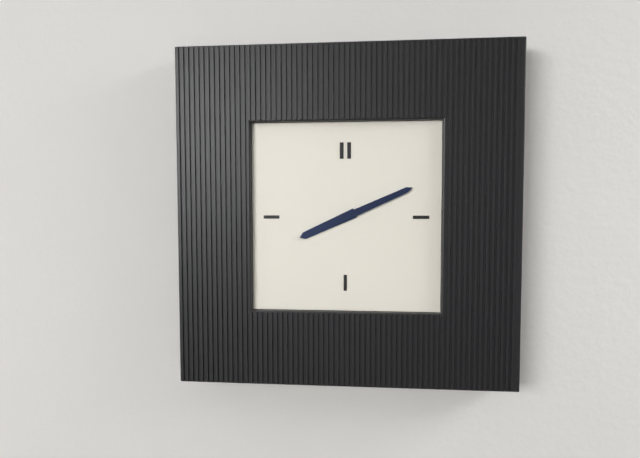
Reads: 8 h 11 min
